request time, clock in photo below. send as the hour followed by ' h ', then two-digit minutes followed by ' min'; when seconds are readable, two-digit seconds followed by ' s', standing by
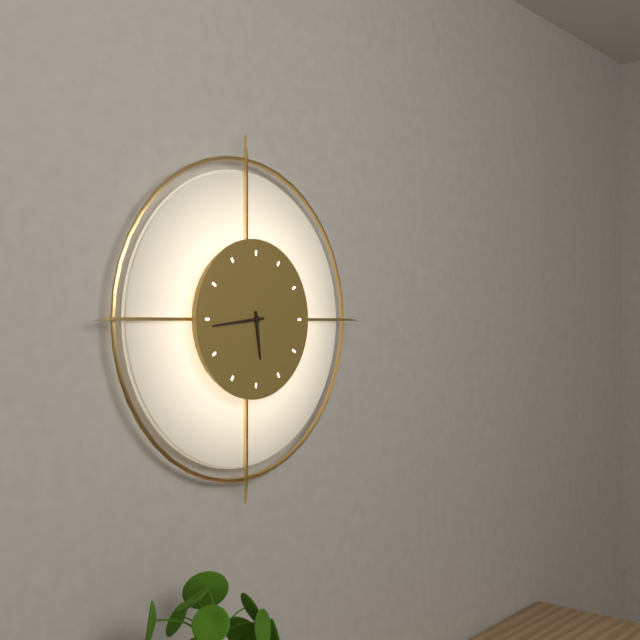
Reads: 5 h 44 min
